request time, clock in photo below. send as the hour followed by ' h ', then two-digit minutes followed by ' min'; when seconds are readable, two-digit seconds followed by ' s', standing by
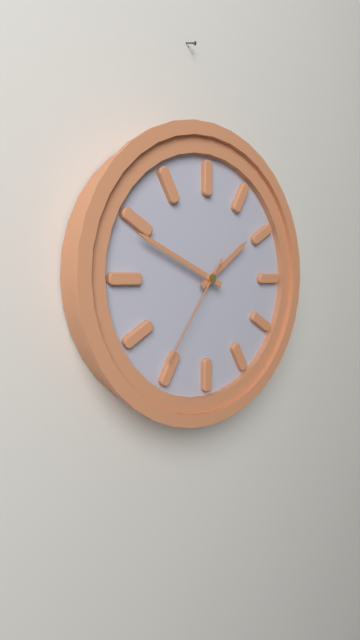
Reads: 1 h 49 min 36 s
